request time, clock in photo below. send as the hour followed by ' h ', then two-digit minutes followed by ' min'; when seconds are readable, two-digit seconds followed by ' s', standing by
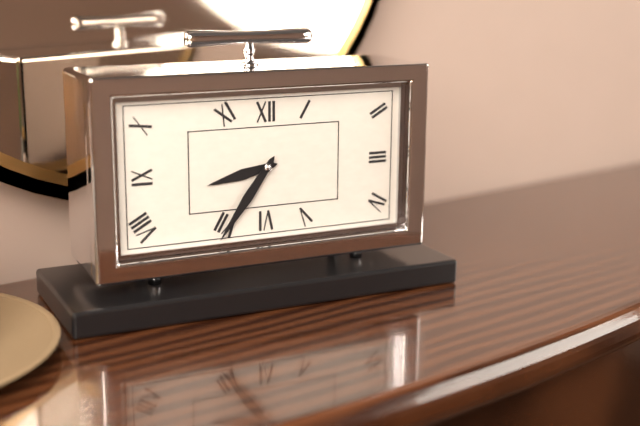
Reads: 8 h 36 min
